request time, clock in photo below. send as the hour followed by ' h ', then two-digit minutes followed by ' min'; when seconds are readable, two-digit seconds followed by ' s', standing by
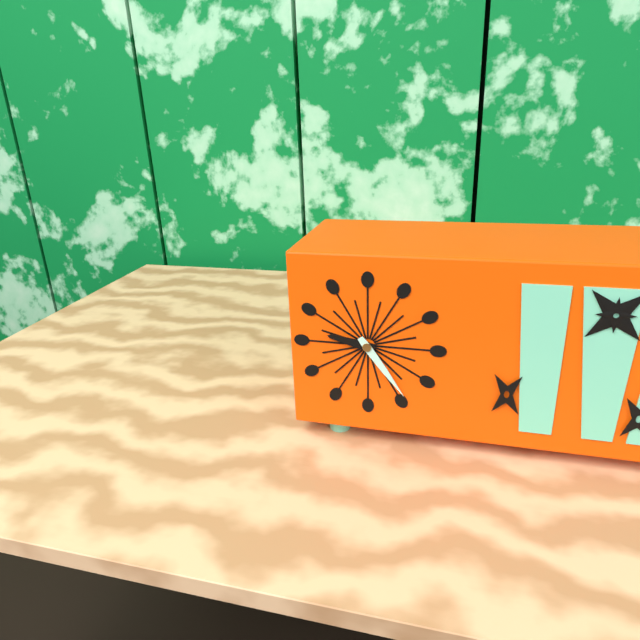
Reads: 9 h 24 min
